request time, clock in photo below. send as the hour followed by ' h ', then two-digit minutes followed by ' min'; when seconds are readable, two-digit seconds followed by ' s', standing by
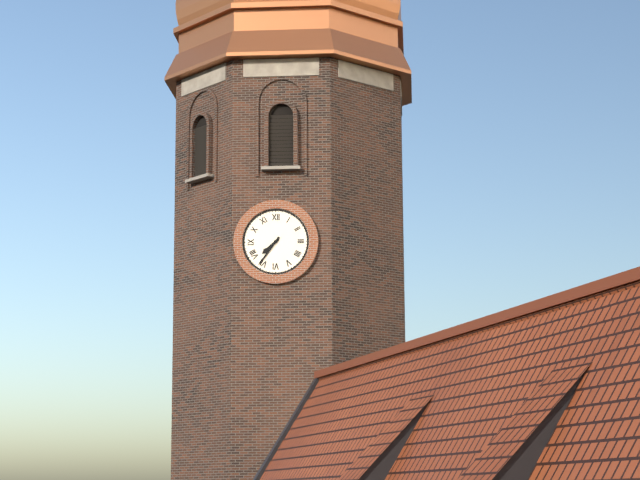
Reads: 7 h 36 min
